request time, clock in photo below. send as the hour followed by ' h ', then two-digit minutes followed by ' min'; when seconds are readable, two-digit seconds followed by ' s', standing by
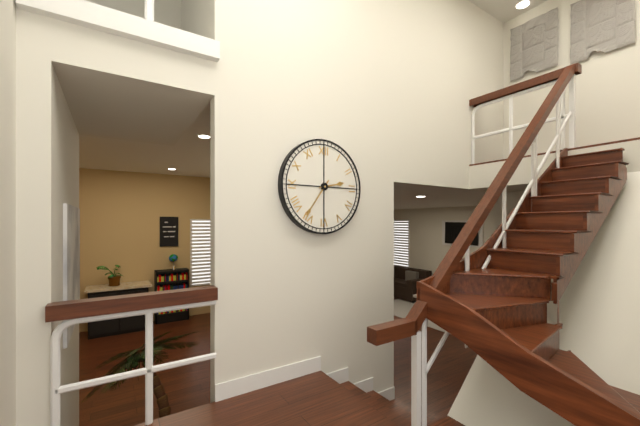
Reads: 2 h 36 min
